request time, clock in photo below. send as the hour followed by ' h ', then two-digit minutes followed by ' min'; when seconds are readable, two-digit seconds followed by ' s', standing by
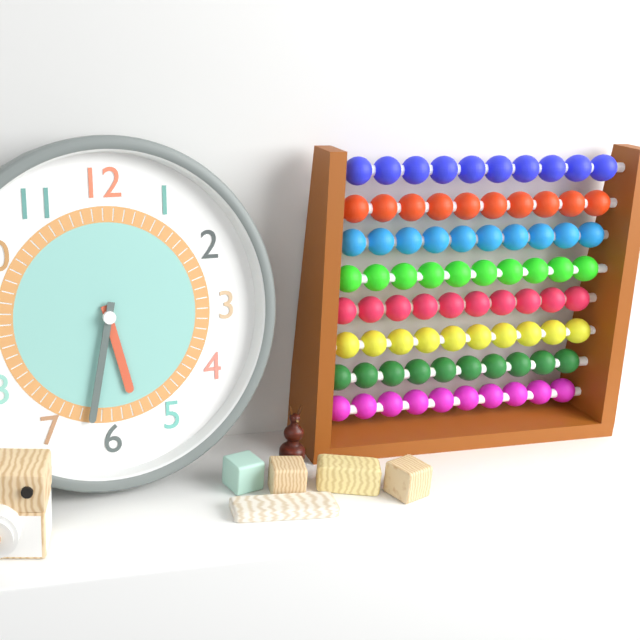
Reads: 5 h 32 min
